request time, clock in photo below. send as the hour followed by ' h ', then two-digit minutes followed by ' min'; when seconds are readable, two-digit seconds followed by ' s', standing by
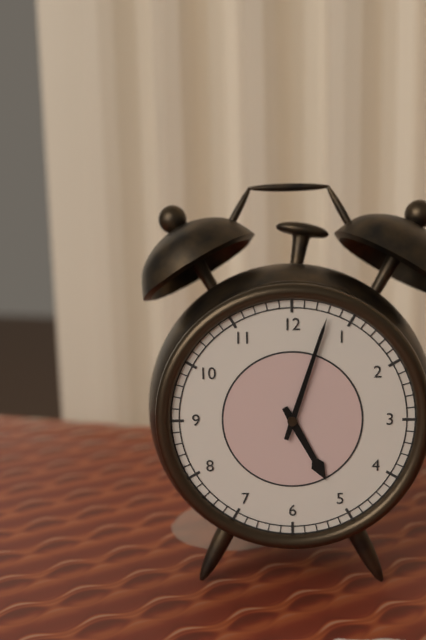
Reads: 5 h 03 min
